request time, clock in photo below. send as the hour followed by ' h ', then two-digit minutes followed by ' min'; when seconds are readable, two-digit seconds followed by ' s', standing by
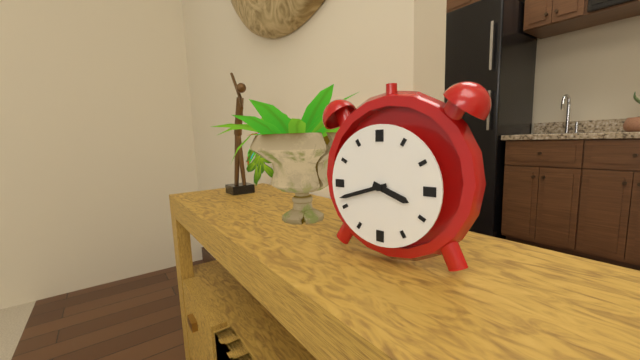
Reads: 3 h 42 min
